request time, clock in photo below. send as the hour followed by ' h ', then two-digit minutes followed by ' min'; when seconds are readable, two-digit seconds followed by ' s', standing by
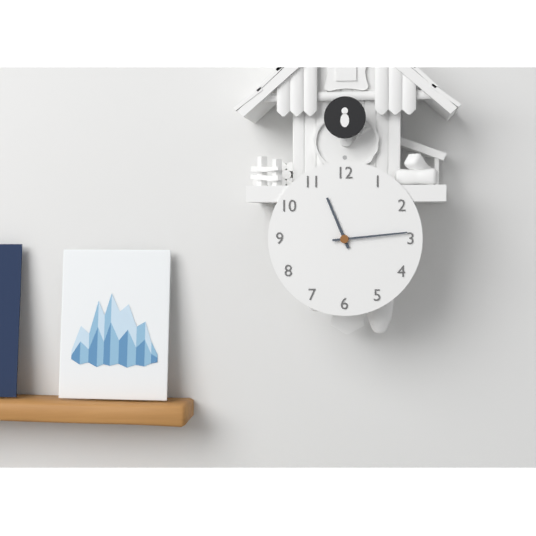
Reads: 11 h 14 min
